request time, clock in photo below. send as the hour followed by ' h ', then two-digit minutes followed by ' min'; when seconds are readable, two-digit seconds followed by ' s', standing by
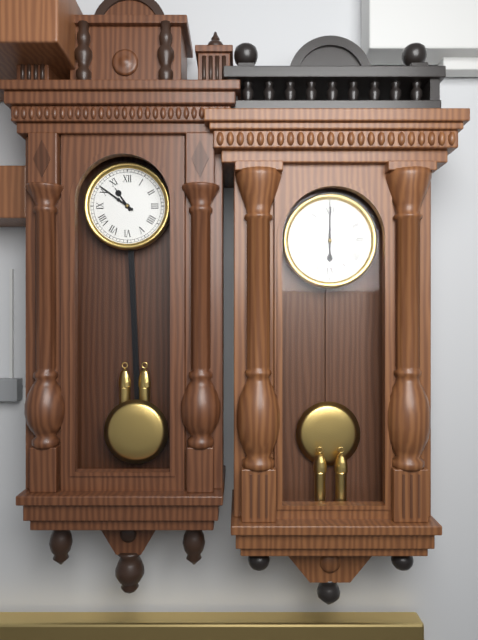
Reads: 10 h 51 min
